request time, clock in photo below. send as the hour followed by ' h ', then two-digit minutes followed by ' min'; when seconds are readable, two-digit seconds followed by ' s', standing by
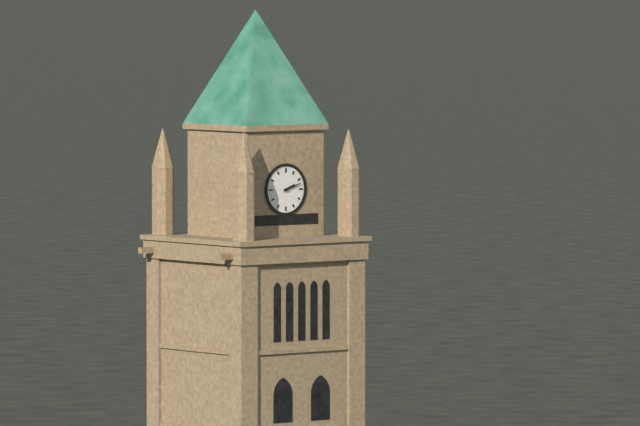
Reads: 2 h 12 min
